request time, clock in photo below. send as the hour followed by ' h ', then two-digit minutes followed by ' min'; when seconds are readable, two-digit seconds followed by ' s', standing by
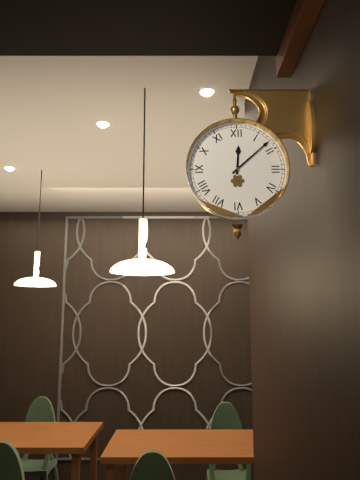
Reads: 12 h 08 min
